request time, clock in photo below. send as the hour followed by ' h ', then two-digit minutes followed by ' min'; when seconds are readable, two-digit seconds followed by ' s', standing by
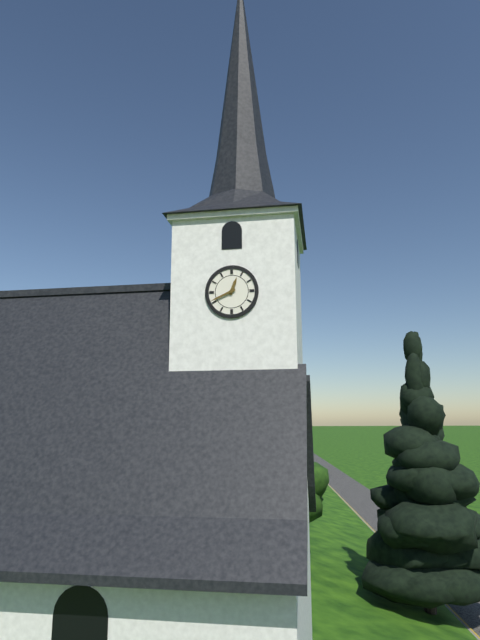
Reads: 12 h 41 min
